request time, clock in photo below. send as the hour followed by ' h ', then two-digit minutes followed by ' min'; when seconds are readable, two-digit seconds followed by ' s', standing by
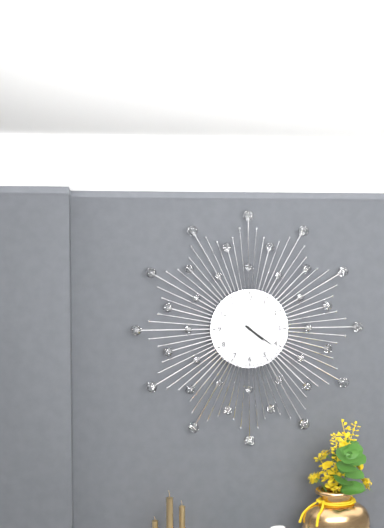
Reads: 4 h 21 min
